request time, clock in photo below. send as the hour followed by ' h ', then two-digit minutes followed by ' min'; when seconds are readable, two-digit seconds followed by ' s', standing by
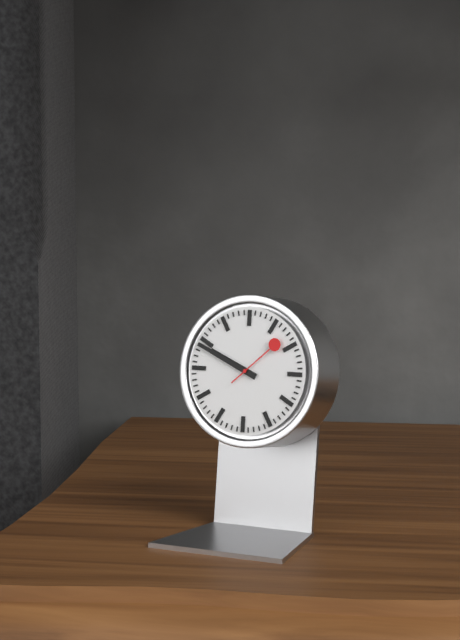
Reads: 9 h 49 min 08 s
